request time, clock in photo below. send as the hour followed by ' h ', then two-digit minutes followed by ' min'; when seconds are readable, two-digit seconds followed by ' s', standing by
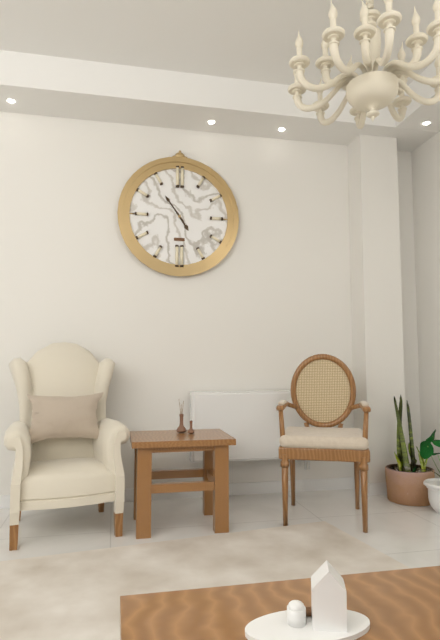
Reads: 4 h 54 min
